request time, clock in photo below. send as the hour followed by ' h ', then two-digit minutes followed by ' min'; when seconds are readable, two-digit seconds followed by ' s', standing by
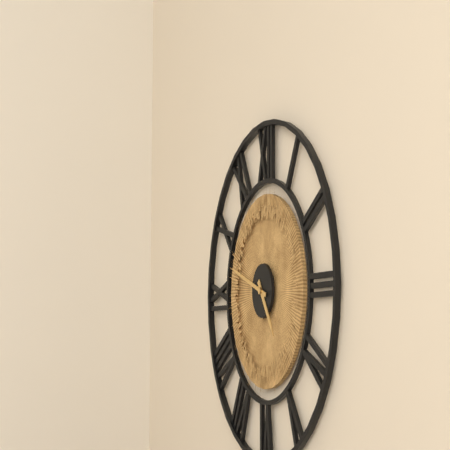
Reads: 4 h 48 min
